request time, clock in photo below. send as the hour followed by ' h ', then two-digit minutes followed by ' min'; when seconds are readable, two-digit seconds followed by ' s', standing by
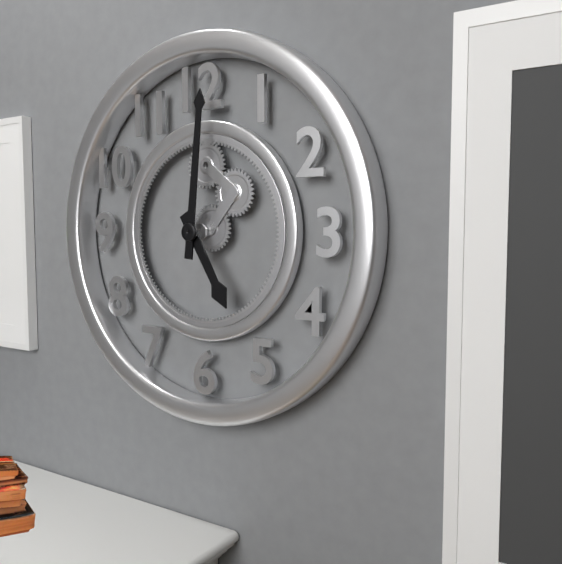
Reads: 5 h 01 min
